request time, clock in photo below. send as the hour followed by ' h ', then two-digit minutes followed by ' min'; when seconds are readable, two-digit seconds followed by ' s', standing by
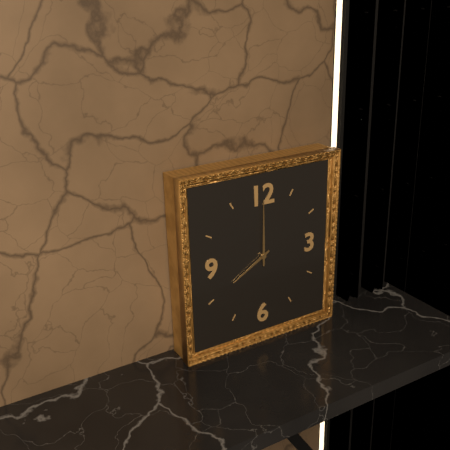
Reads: 8 h 00 min
